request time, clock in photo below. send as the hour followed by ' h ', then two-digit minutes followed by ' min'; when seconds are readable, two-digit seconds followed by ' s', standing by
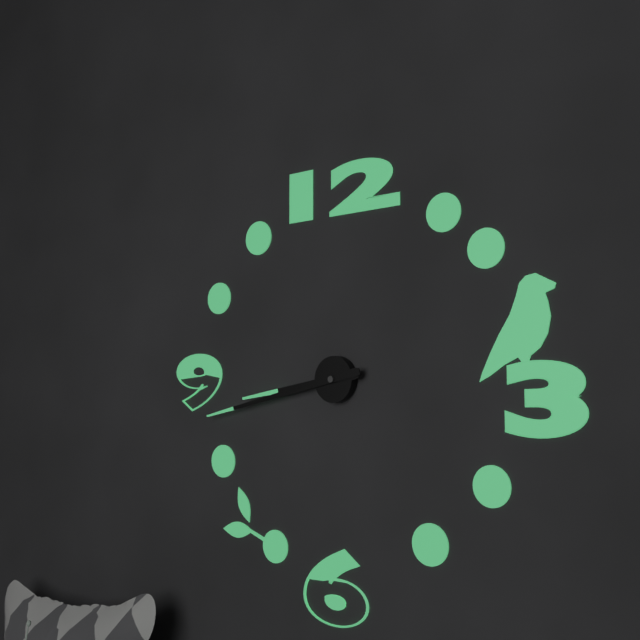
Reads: 8 h 43 min
